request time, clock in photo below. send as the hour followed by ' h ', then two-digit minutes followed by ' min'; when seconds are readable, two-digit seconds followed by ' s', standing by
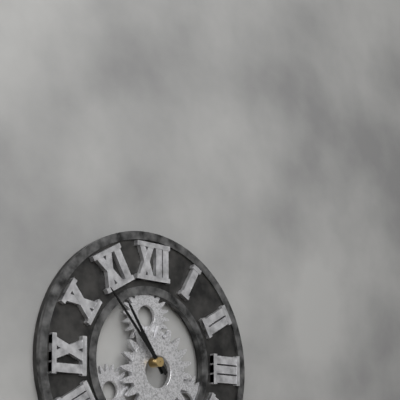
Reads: 10 h 53 min
